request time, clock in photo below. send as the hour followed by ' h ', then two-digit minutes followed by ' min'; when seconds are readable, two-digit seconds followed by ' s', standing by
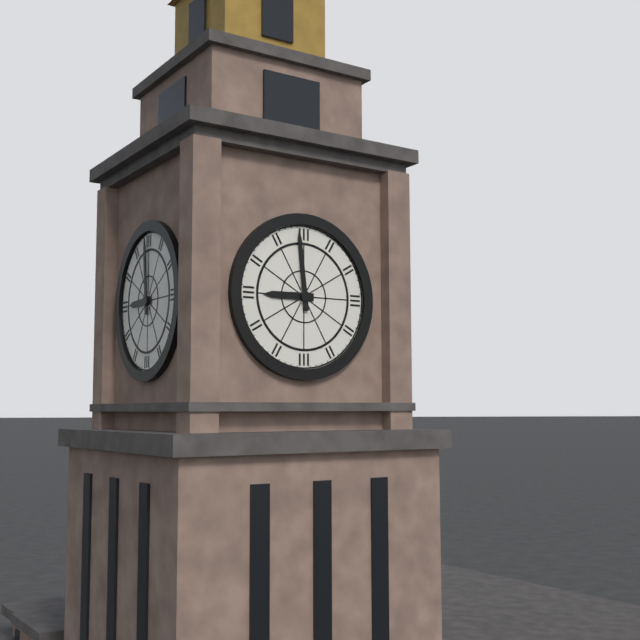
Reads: 8 h 59 min
